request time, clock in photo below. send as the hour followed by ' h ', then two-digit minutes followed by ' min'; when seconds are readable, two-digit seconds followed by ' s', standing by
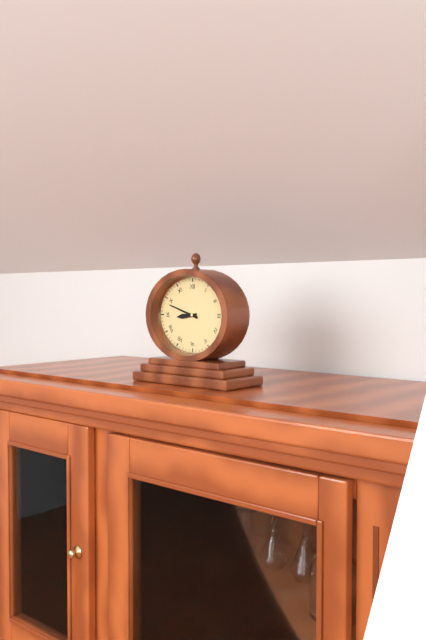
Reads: 8 h 48 min
